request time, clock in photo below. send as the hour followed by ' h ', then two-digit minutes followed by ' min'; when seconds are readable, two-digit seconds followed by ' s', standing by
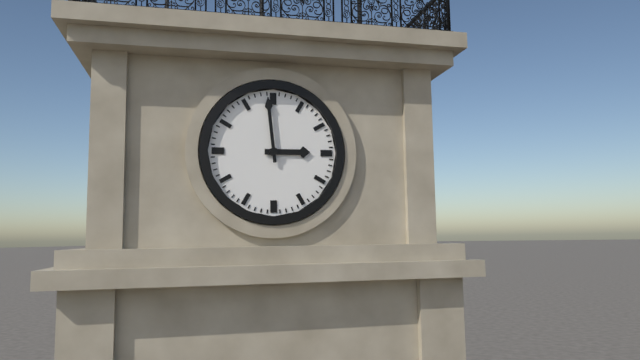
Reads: 2 h 59 min
